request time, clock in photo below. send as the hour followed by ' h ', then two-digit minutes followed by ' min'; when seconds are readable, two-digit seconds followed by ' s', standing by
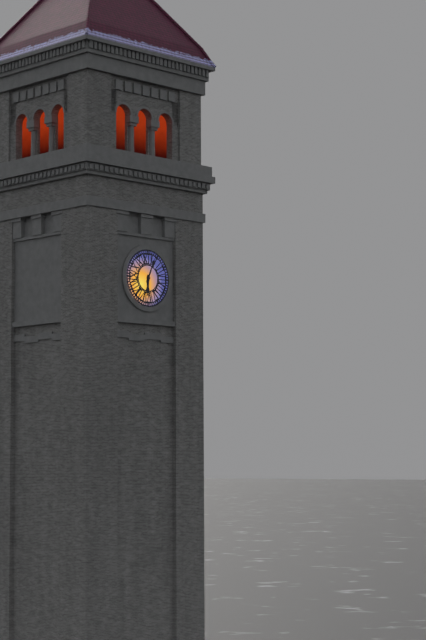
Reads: 6 h 04 min
